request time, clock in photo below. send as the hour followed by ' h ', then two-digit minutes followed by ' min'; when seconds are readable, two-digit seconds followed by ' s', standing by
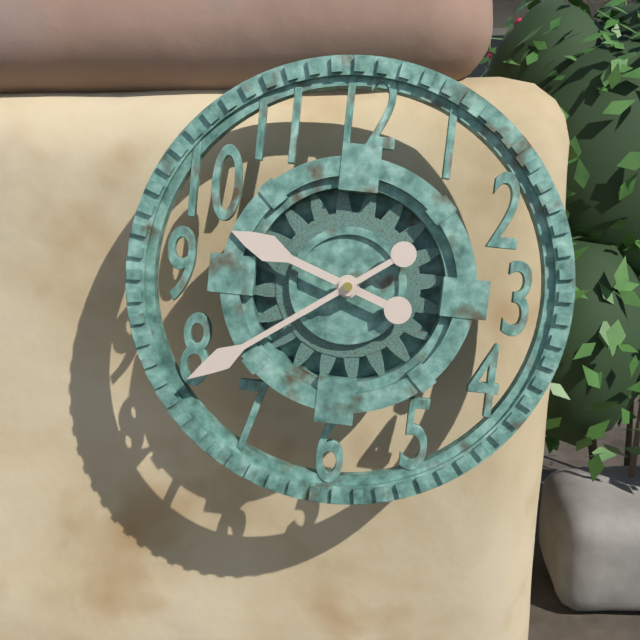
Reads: 9 h 39 min
